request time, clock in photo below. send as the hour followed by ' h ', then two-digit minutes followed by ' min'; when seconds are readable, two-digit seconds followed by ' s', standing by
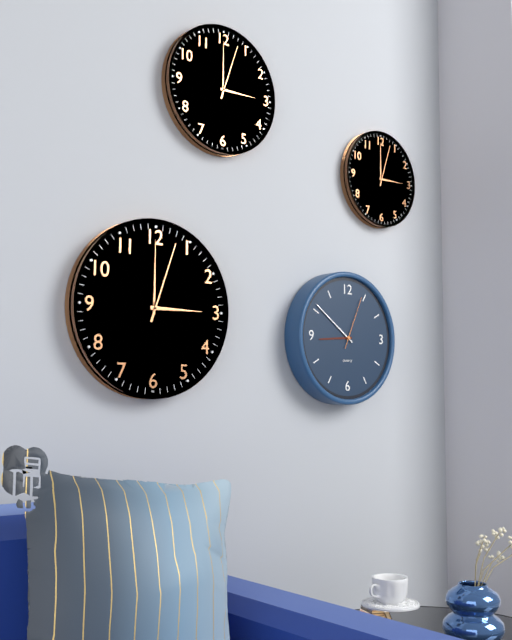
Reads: 8 h 51 min 04 s
